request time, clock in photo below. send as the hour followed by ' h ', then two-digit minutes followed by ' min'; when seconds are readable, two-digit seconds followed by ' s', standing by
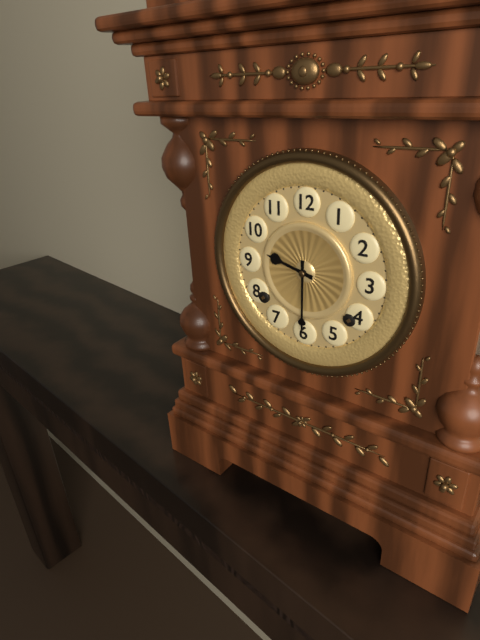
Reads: 9 h 30 min
